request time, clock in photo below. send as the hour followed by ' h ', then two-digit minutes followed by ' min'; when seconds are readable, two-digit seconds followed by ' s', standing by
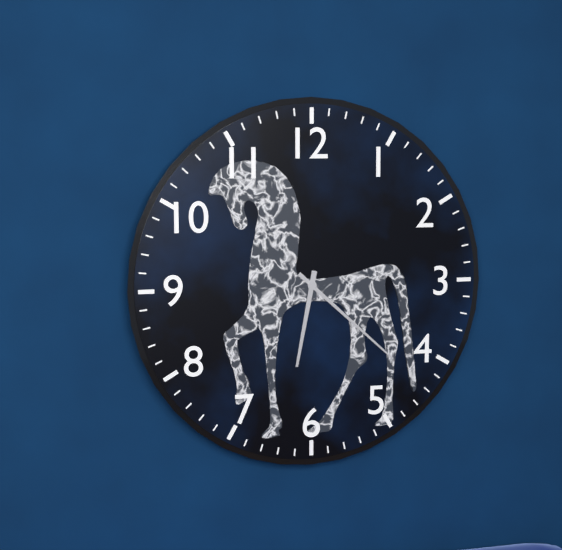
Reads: 6 h 22 min
